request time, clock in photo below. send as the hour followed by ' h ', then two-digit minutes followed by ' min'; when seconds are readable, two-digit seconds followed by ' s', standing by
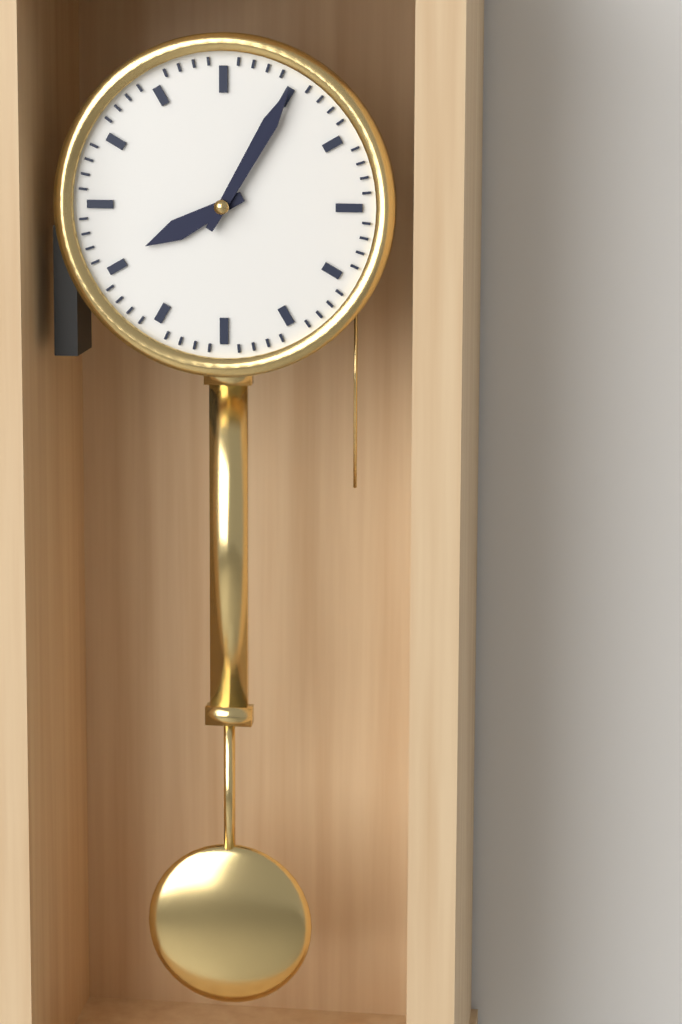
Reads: 8 h 05 min
